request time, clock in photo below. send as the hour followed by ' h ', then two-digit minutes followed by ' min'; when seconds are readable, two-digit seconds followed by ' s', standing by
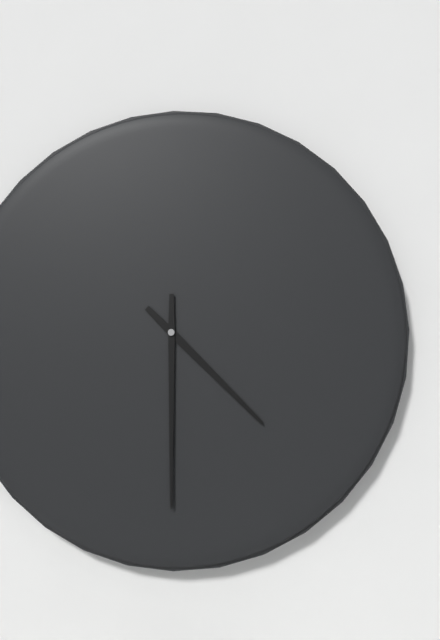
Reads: 4 h 30 min
